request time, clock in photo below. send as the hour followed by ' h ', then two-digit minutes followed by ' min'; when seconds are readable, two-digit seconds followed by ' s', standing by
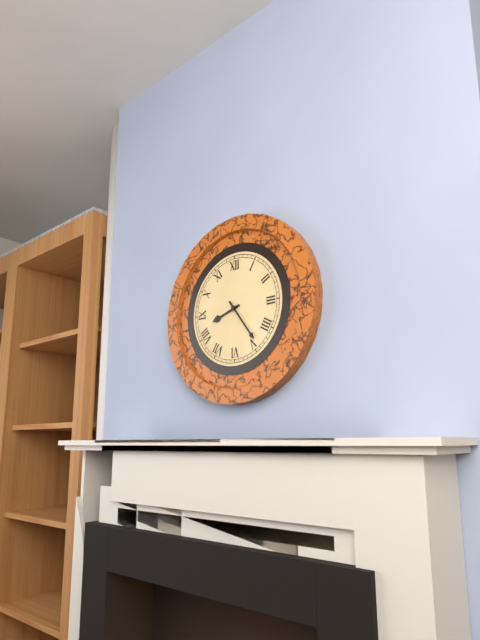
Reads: 8 h 24 min
